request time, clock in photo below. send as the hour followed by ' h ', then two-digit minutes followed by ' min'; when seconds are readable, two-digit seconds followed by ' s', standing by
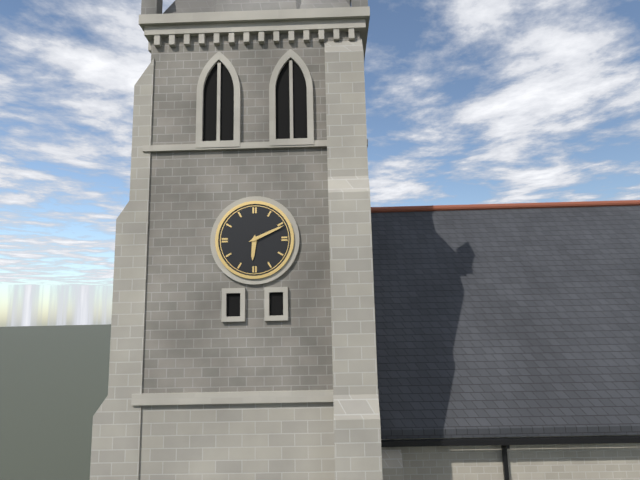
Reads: 6 h 11 min
